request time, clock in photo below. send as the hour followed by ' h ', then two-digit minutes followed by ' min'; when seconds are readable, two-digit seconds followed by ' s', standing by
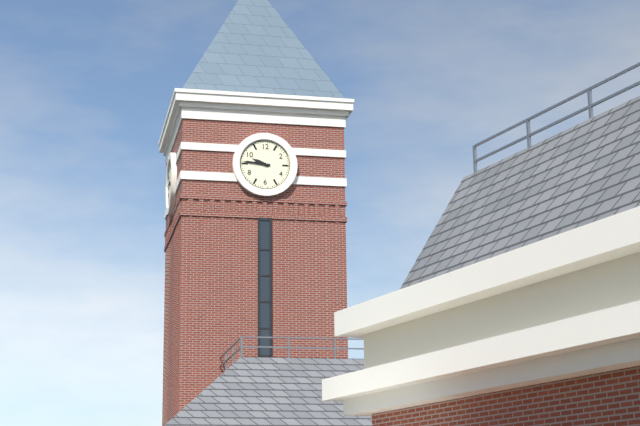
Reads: 9 h 46 min
